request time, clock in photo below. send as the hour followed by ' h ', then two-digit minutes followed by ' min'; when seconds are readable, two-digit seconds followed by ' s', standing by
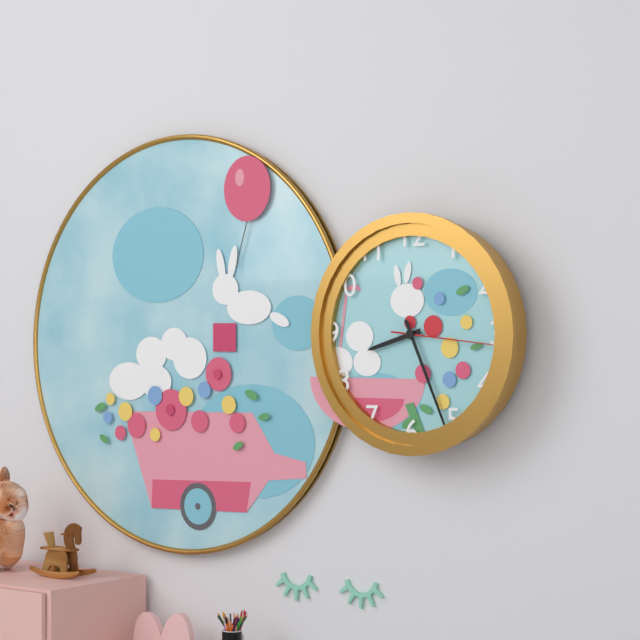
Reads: 8 h 26 min 16 s
